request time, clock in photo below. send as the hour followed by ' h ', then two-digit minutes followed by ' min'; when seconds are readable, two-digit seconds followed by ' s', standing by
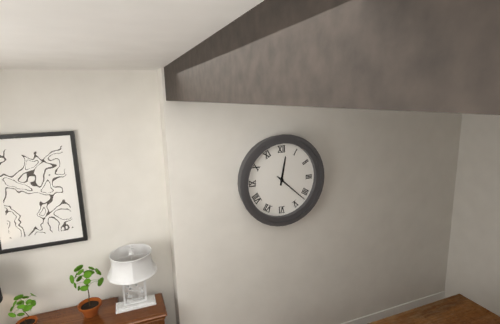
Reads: 12 h 22 min
